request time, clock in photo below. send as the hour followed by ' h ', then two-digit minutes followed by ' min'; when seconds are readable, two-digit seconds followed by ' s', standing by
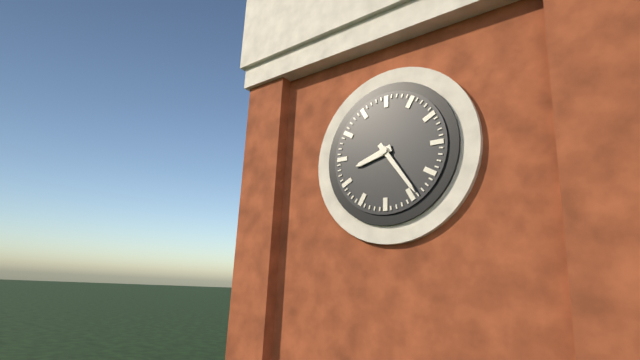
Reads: 8 h 24 min
